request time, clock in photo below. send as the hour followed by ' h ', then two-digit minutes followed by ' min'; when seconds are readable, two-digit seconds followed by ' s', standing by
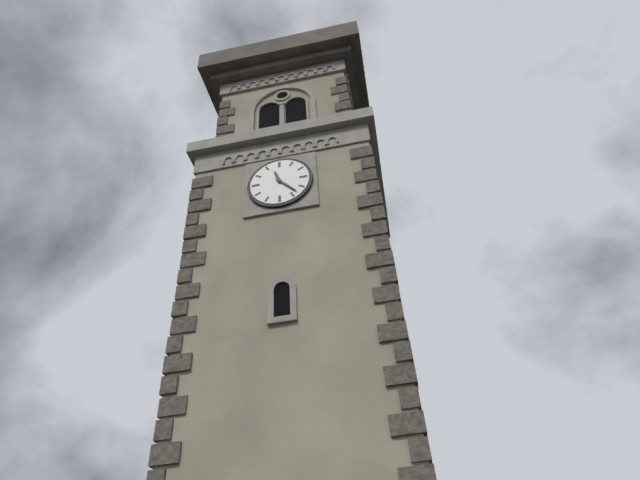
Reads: 11 h 23 min
